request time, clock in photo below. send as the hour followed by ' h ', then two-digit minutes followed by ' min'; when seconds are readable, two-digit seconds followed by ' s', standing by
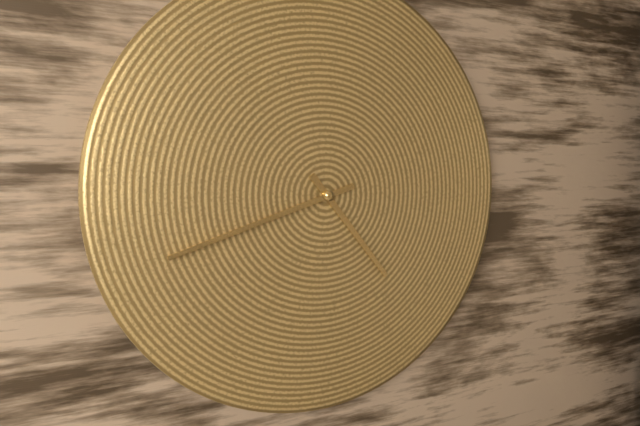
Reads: 4 h 42 min
